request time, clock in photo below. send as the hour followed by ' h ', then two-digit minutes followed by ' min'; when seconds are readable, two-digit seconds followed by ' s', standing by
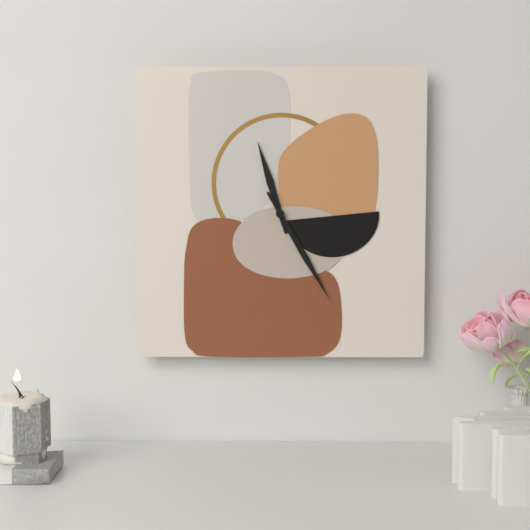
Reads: 11 h 25 min
